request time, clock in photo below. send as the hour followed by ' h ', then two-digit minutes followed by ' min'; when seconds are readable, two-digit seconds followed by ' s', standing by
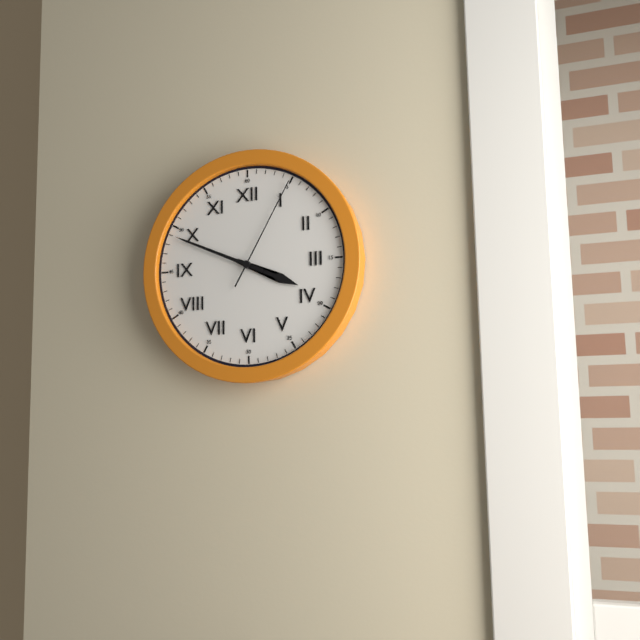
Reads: 3 h 49 min 05 s
